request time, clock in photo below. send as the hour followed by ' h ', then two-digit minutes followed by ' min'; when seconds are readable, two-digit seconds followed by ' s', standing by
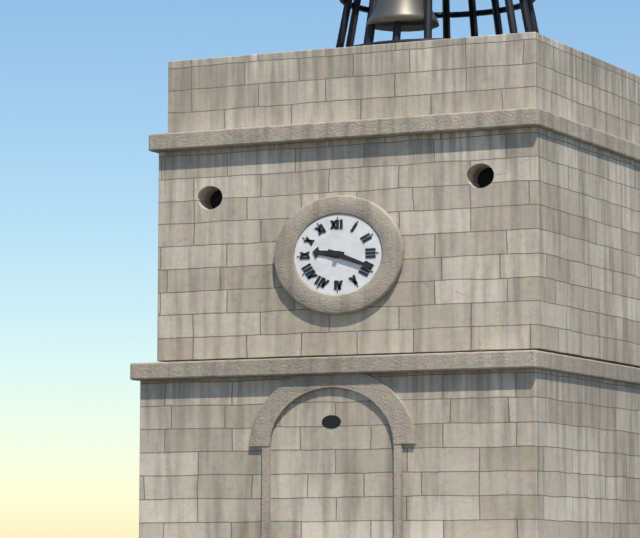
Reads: 9 h 19 min
